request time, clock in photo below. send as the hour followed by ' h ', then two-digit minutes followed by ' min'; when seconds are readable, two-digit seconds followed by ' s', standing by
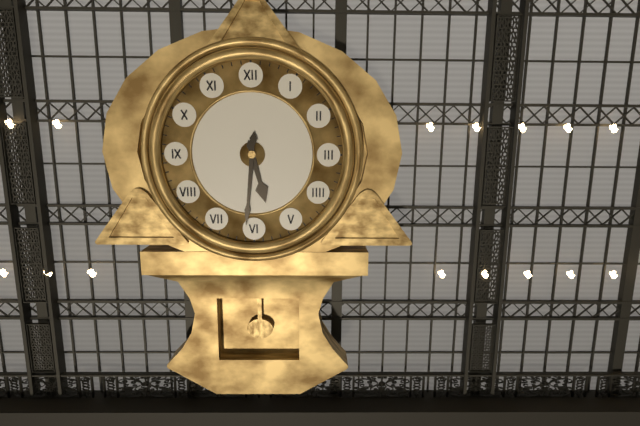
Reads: 5 h 31 min
